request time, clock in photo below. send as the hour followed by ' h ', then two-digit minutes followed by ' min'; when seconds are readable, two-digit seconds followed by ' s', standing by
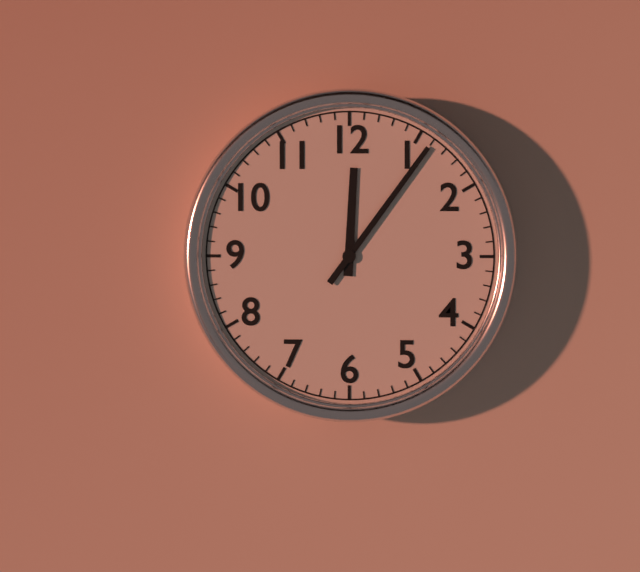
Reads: 12 h 06 min
